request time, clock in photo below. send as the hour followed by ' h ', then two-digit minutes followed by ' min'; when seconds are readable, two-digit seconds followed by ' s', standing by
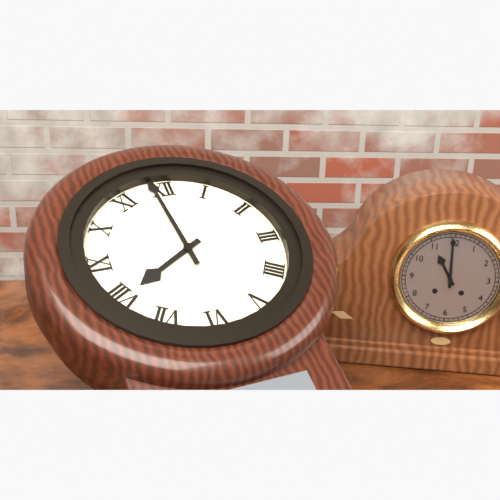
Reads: 7 h 59 min
